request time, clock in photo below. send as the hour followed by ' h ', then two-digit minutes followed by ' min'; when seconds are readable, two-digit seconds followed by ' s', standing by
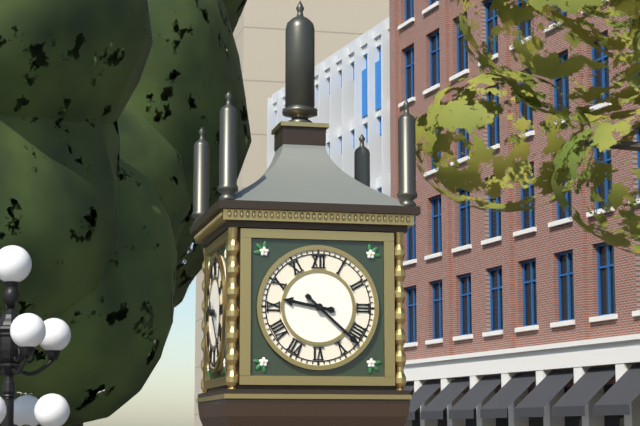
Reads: 9 h 22 min
